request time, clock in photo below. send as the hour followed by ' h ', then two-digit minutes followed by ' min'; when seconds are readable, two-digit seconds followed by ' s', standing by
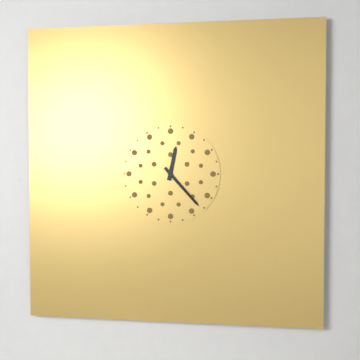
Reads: 12 h 23 min
